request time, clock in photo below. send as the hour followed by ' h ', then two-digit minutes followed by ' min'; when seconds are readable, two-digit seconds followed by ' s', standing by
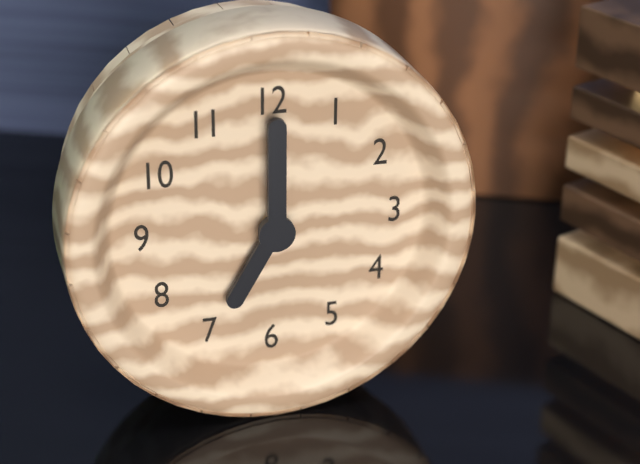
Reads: 7 h 00 min
